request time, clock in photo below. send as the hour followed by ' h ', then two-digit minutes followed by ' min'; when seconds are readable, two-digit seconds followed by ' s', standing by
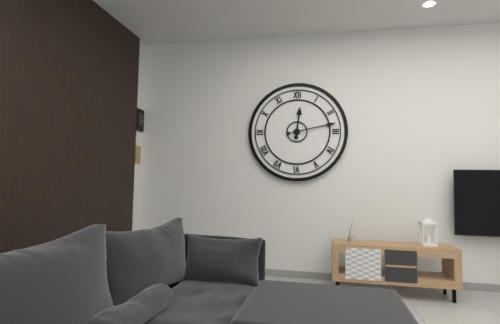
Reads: 12 h 13 min
